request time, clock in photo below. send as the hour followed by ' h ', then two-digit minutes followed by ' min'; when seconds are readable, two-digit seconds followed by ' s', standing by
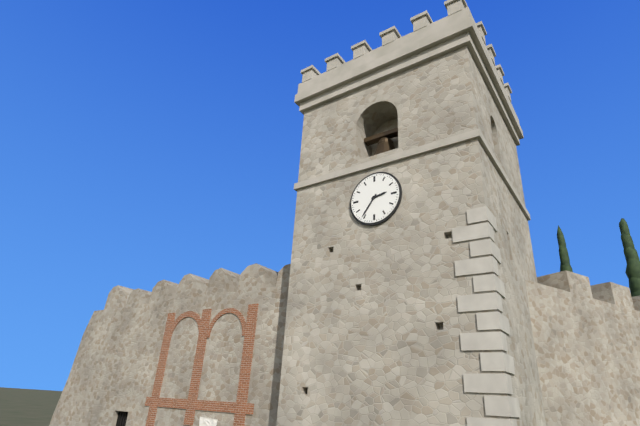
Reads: 2 h 36 min
